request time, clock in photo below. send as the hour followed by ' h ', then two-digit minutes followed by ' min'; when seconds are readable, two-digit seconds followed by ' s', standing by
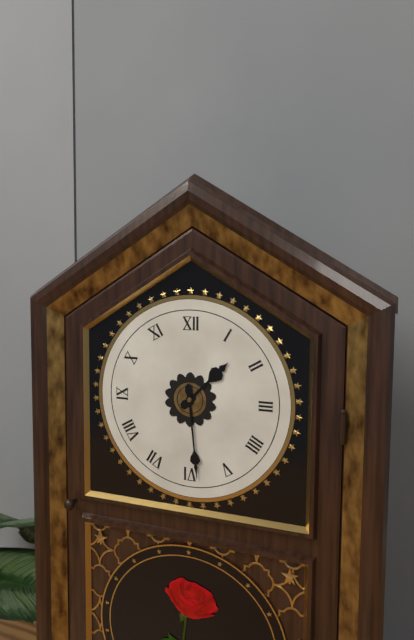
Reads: 1 h 29 min
